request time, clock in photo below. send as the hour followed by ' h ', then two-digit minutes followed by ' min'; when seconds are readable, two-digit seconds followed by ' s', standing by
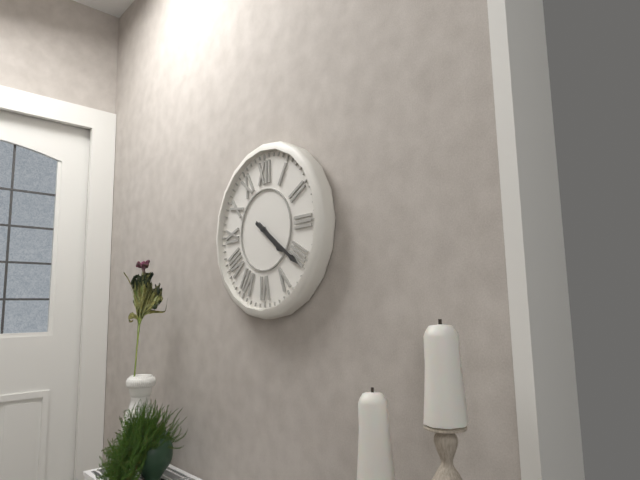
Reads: 4 h 21 min
